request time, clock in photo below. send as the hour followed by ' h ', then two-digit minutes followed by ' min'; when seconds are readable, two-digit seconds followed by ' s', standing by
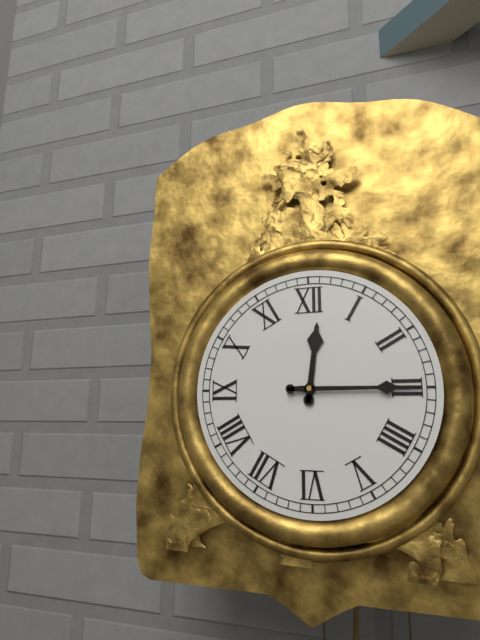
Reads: 12 h 15 min
